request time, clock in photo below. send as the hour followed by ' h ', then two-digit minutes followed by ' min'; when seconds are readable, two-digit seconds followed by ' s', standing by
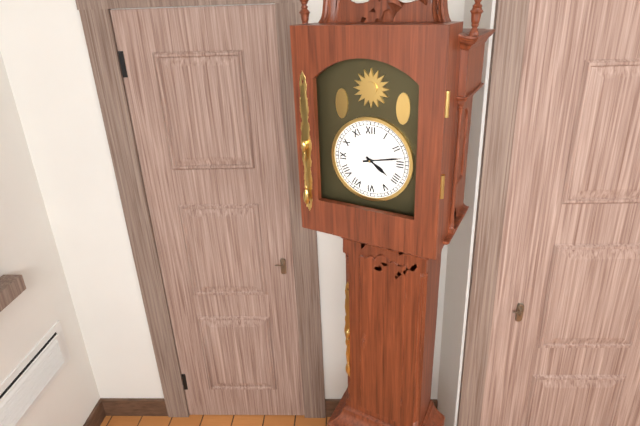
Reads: 4 h 13 min
